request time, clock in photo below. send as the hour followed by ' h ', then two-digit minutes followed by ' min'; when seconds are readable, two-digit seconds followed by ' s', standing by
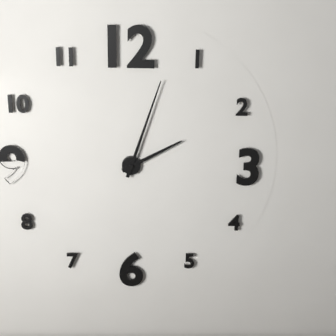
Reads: 2 h 03 min
